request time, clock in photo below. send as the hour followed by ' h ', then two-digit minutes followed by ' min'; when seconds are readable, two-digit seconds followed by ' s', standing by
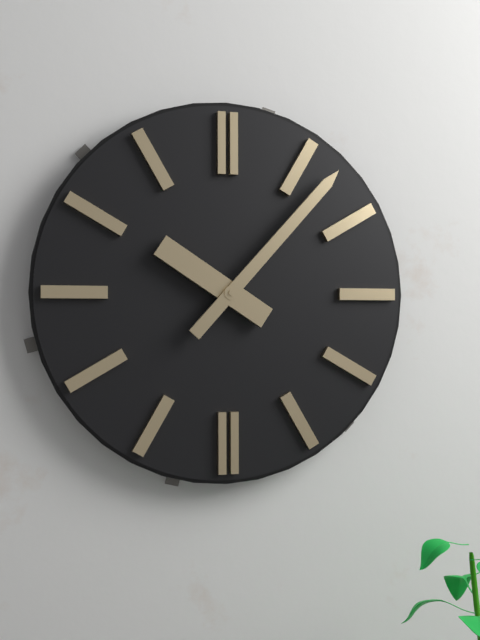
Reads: 10 h 07 min
